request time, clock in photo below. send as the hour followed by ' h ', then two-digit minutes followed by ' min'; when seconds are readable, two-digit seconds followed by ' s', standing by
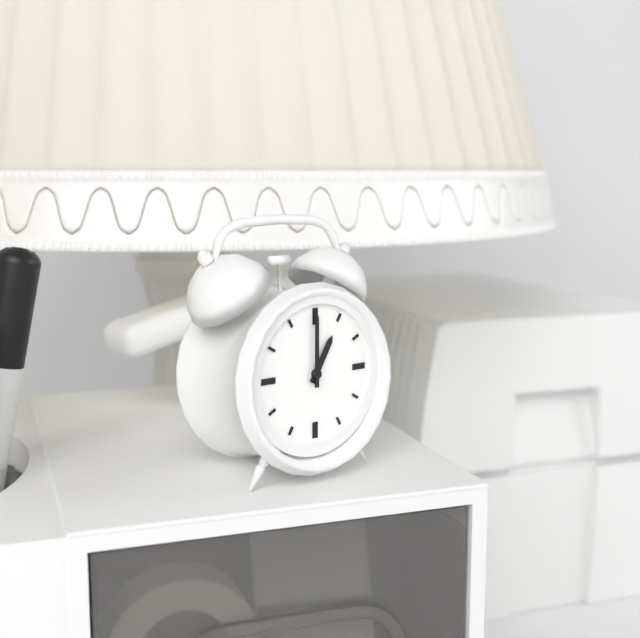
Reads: 1 h 00 min
